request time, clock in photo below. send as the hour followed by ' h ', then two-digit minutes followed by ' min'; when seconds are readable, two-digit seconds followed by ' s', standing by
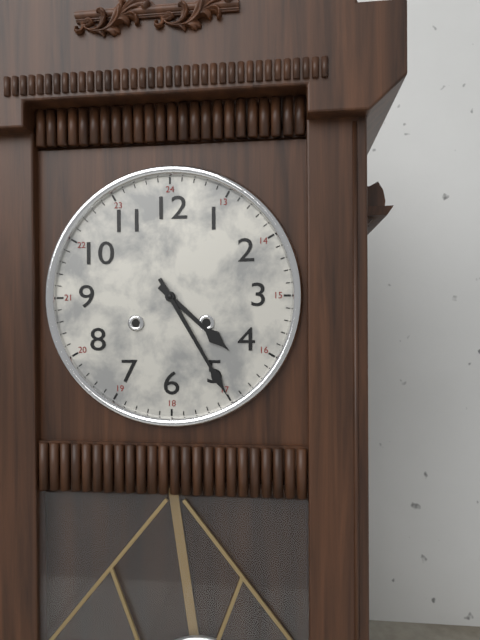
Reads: 4 h 25 min
